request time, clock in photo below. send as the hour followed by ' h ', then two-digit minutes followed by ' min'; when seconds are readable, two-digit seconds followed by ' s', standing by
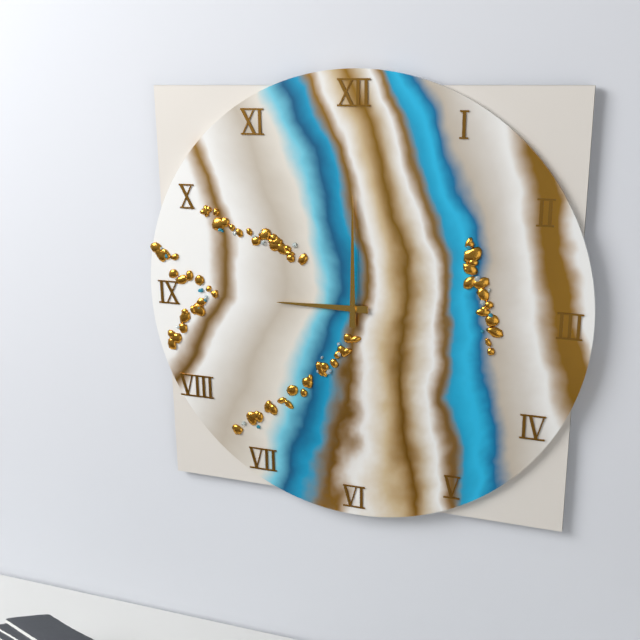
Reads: 9 h 00 min
